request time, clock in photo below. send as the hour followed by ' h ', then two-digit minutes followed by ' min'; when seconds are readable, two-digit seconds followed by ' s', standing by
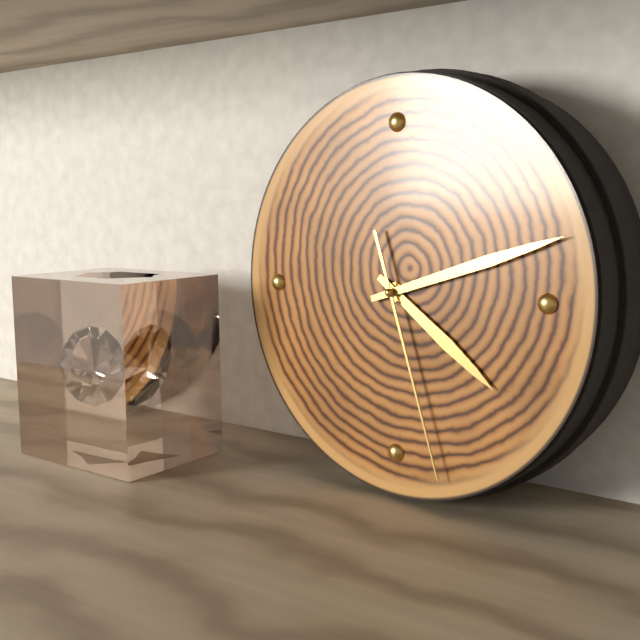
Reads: 4 h 12 min 27 s
